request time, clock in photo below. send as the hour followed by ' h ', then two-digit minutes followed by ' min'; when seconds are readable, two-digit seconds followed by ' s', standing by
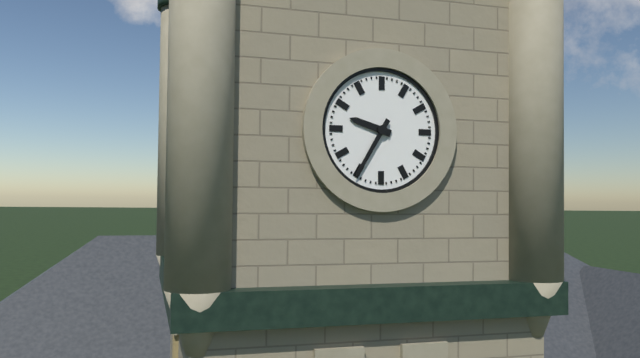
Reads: 9 h 35 min
